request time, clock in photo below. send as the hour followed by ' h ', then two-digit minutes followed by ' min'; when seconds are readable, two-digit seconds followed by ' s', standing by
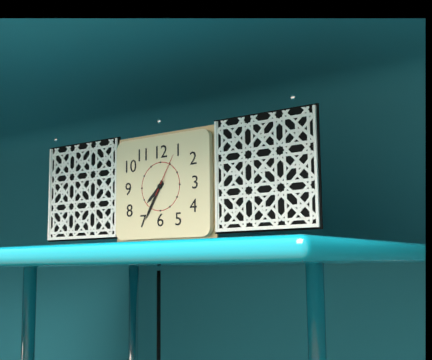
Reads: 7 h 35 min
